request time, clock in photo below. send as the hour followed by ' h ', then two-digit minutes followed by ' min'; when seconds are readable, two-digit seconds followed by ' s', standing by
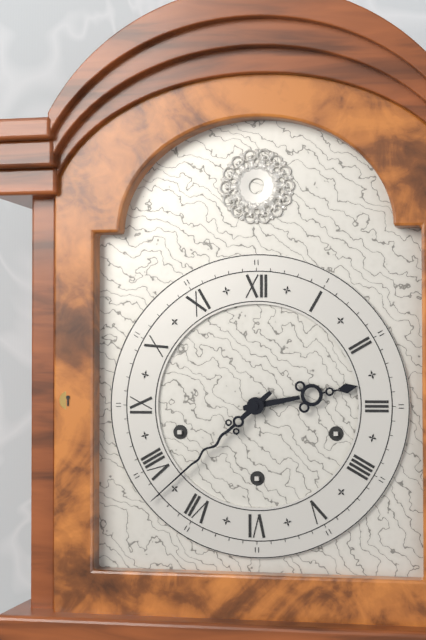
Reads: 2 h 38 min
